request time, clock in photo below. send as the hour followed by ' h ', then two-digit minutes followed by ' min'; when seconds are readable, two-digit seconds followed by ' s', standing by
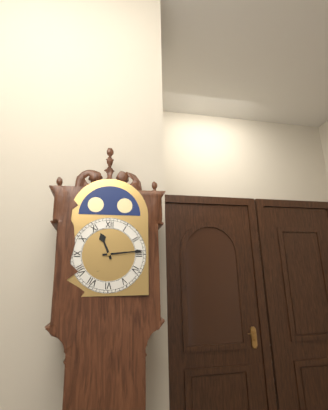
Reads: 11 h 14 min
